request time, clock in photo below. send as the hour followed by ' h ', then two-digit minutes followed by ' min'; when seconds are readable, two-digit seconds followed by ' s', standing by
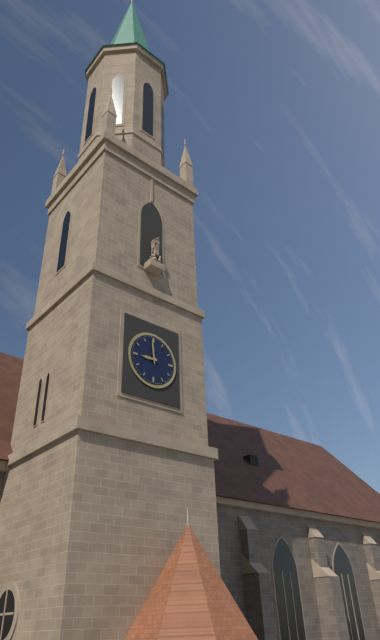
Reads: 8 h 59 min
